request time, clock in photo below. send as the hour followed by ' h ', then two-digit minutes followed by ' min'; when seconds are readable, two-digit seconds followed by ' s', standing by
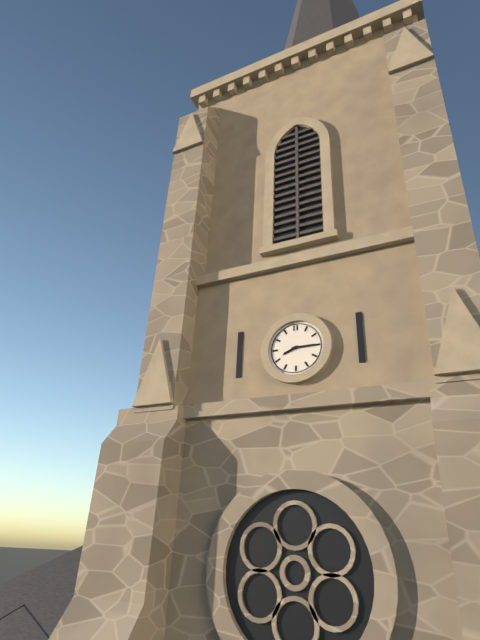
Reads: 8 h 15 min
